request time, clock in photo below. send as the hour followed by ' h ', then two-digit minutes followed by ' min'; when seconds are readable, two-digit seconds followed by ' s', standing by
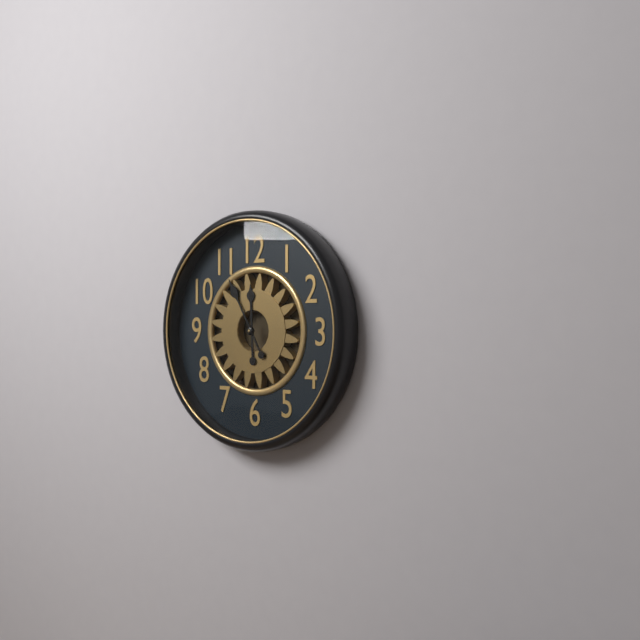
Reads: 11 h 55 min
